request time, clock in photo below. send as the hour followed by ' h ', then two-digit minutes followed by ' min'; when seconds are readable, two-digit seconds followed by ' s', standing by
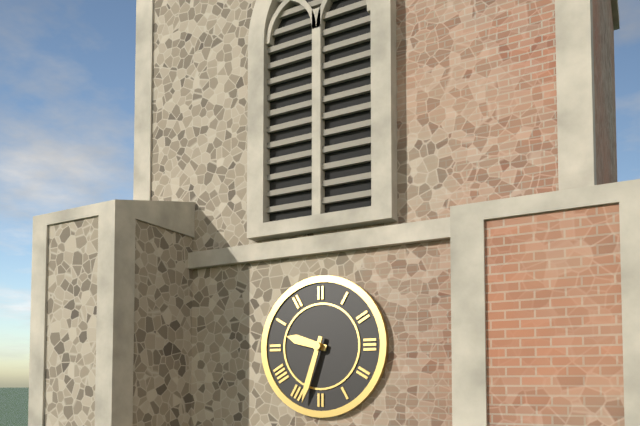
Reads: 9 h 33 min
